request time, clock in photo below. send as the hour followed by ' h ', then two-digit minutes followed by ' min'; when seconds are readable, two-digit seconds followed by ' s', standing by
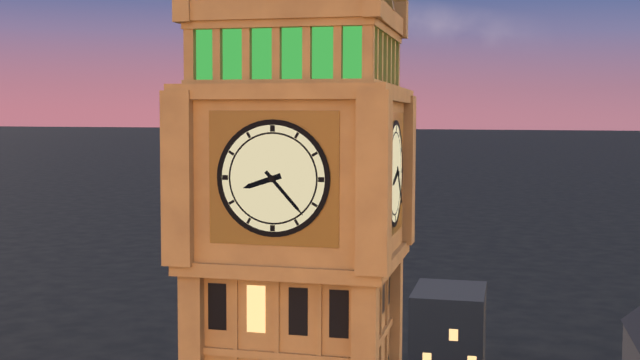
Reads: 8 h 23 min
